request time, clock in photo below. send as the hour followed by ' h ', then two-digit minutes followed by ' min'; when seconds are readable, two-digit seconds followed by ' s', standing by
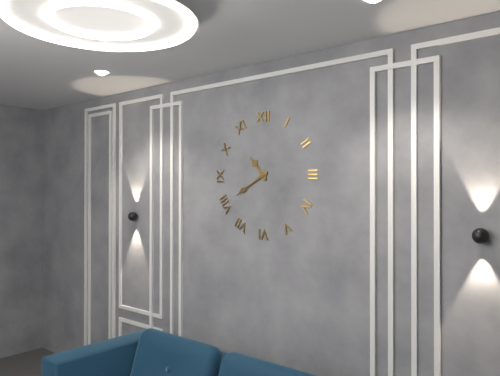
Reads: 10 h 40 min
